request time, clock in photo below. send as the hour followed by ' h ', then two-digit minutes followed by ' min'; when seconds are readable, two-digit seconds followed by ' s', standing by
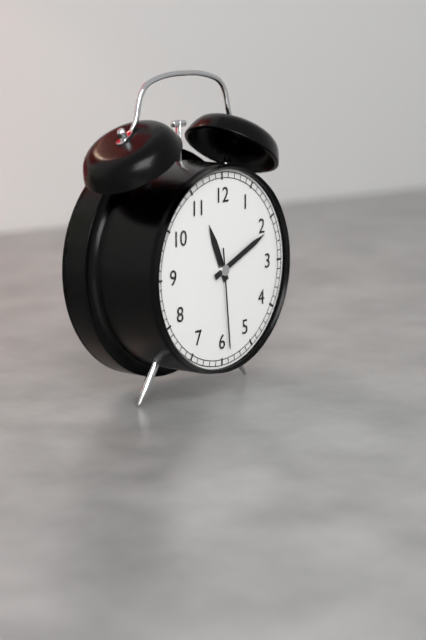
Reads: 11 h 11 min 29 s
